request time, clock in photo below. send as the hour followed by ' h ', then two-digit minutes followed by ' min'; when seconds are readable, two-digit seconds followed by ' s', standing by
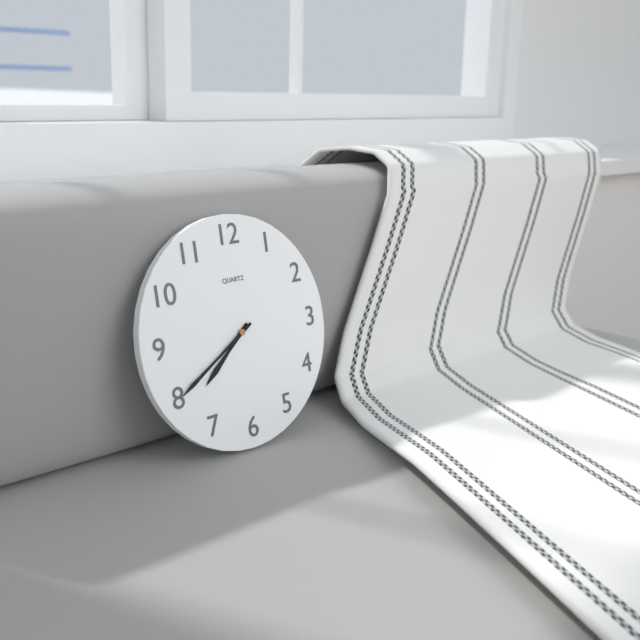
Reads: 7 h 40 min
